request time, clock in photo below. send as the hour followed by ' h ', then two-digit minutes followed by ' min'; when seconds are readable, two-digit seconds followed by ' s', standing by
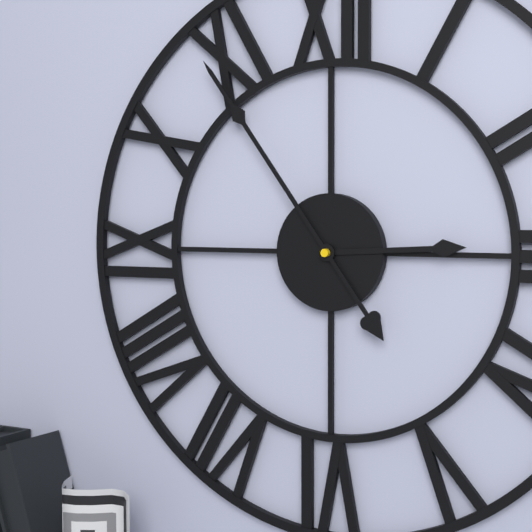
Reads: 2 h 54 min
